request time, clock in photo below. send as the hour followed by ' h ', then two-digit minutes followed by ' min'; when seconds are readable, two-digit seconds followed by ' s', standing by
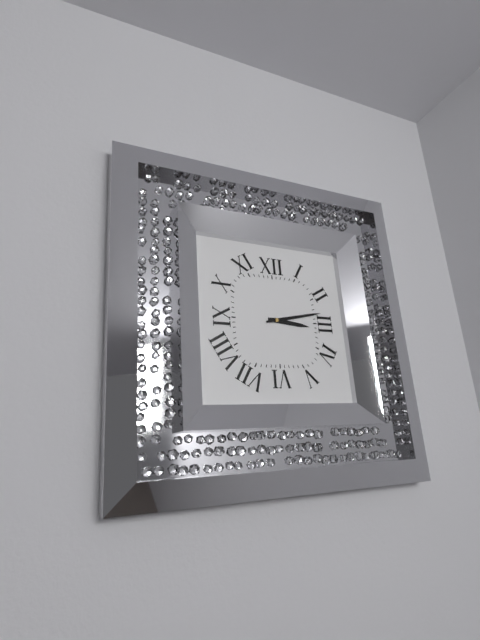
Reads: 3 h 13 min
